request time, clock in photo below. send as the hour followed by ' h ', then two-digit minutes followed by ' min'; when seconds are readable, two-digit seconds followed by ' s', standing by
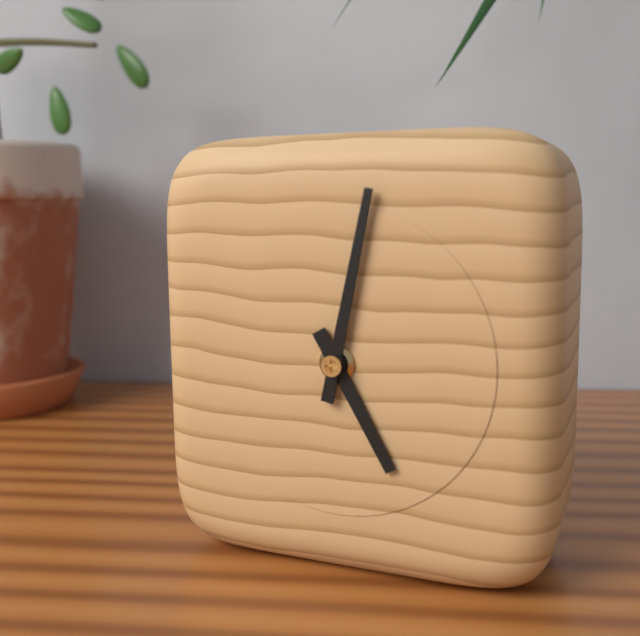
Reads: 5 h 02 min
